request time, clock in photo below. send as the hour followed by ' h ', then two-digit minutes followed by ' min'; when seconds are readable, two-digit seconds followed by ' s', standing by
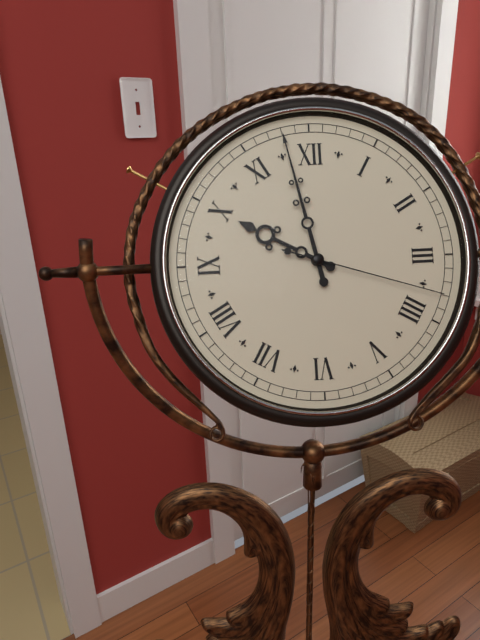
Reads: 9 h 58 min 18 s
